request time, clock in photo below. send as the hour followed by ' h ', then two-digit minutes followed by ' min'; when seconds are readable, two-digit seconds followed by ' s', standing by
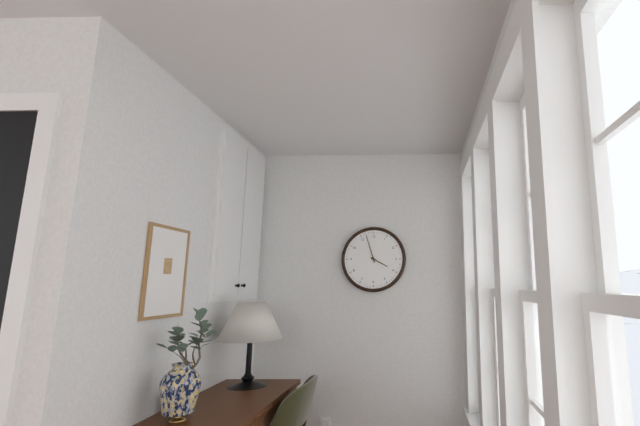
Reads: 3 h 57 min
